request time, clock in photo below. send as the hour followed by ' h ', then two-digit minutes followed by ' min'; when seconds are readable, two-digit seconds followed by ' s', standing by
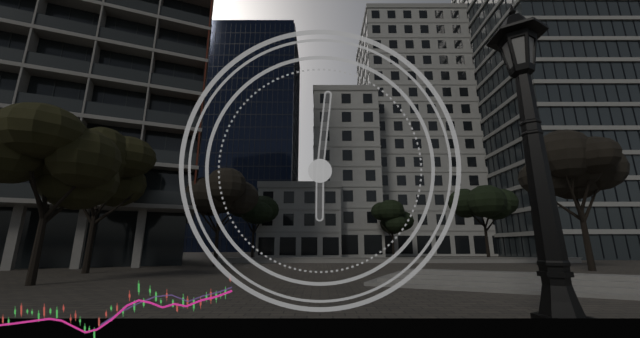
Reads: 6 h 01 min
